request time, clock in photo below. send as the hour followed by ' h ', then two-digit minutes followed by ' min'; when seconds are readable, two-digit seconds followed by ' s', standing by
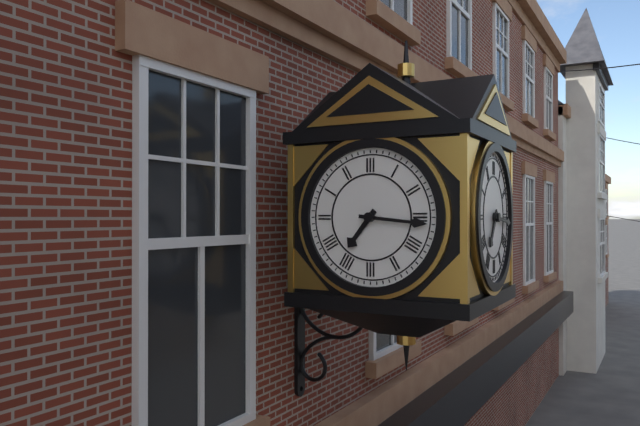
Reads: 7 h 16 min
